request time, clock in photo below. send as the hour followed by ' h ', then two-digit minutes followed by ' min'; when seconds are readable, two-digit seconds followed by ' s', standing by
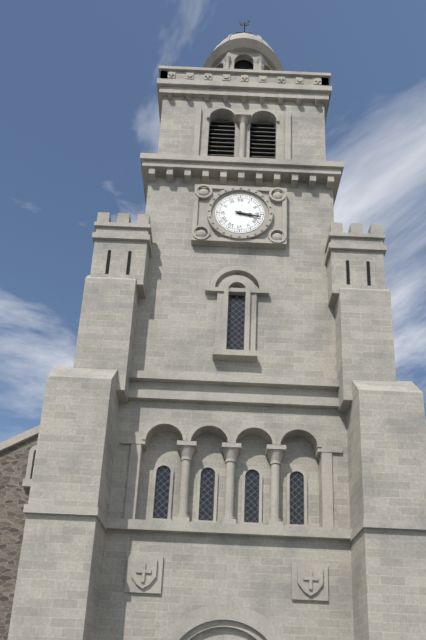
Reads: 3 h 17 min
